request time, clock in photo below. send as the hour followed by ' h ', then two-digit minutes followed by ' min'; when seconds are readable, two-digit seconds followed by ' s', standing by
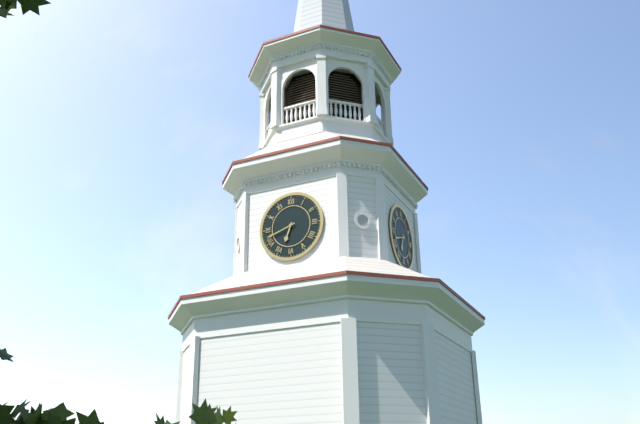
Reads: 6 h 42 min
